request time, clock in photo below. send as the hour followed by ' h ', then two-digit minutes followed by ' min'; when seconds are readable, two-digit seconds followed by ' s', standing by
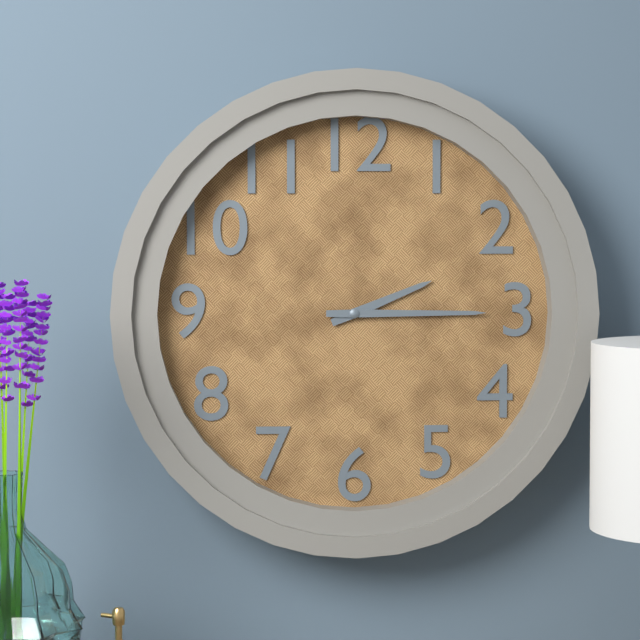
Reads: 2 h 15 min
